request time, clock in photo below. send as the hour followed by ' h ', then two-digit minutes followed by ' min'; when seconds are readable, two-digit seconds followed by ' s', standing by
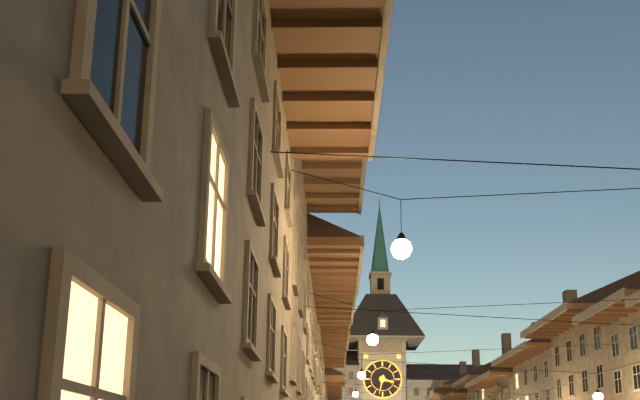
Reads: 3 h 32 min
